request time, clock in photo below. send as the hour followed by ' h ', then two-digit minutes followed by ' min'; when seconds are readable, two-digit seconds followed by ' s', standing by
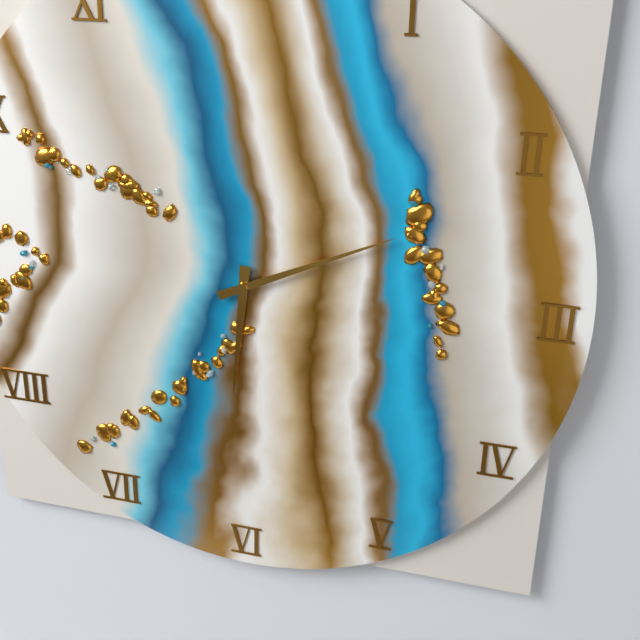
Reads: 6 h 11 min
